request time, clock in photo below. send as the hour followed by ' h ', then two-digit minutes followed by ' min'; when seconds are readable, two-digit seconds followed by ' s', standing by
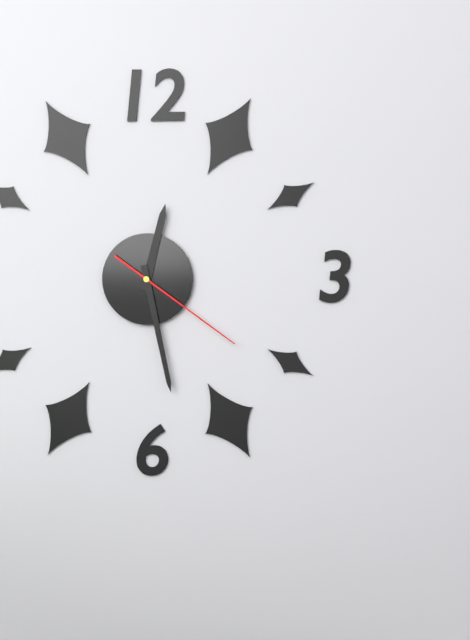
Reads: 12 h 28 min 21 s
